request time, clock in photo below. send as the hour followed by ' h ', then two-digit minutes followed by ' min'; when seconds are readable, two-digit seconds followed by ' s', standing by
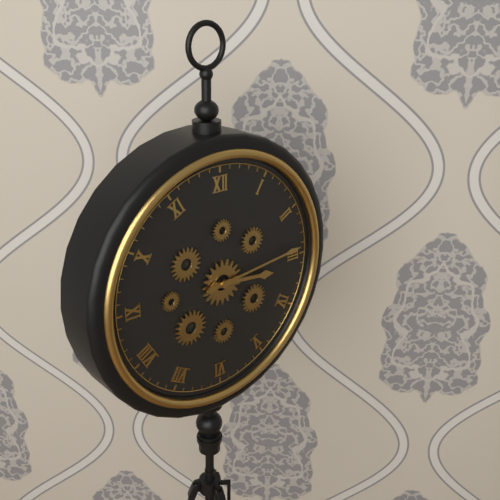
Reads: 3 h 14 min
